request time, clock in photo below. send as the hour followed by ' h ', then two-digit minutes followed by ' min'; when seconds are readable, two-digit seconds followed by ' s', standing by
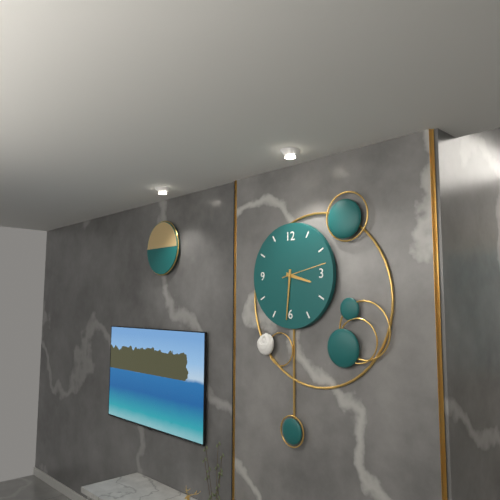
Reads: 3 h 31 min
